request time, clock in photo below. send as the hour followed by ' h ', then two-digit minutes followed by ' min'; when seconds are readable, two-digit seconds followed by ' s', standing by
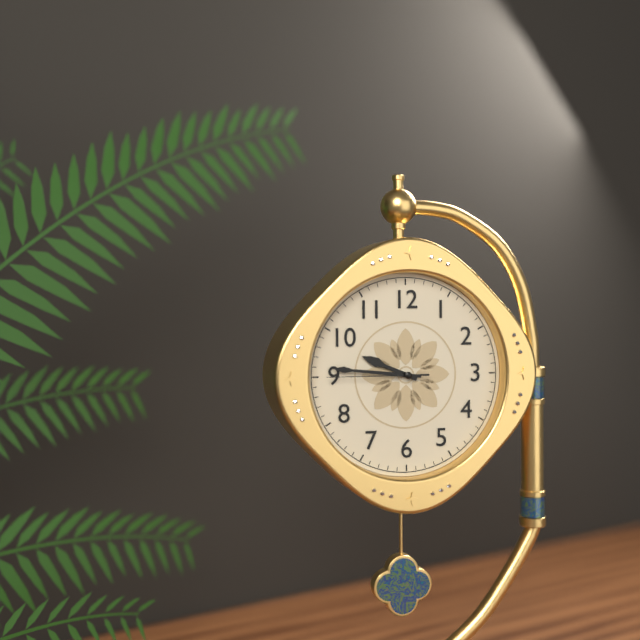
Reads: 9 h 46 min 45 s
